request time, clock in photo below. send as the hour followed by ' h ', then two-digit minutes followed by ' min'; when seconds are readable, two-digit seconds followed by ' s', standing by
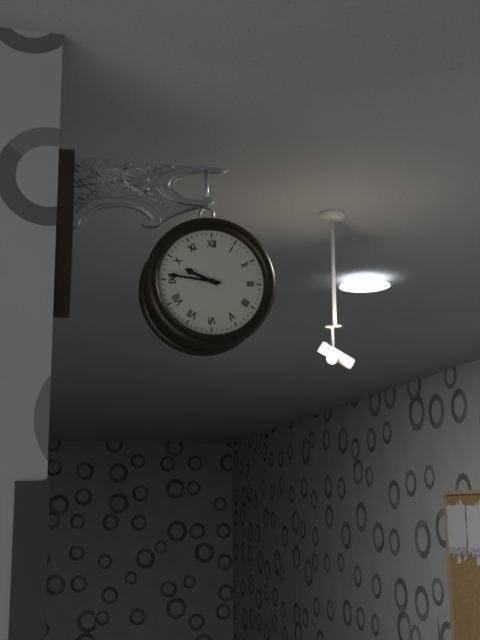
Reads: 9 h 46 min
